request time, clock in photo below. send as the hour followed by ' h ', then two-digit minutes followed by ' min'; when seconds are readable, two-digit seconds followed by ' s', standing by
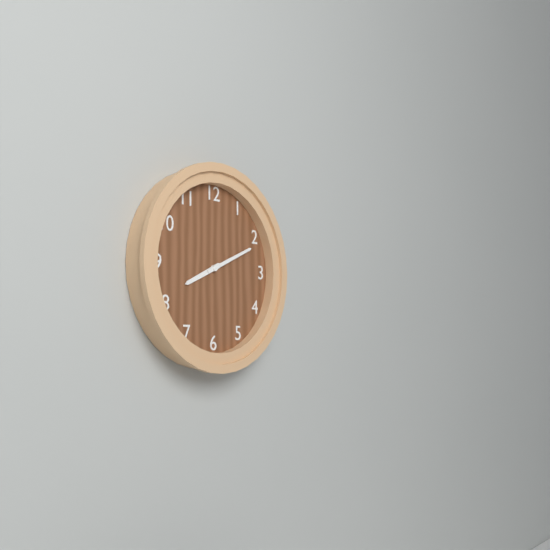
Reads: 8 h 11 min
